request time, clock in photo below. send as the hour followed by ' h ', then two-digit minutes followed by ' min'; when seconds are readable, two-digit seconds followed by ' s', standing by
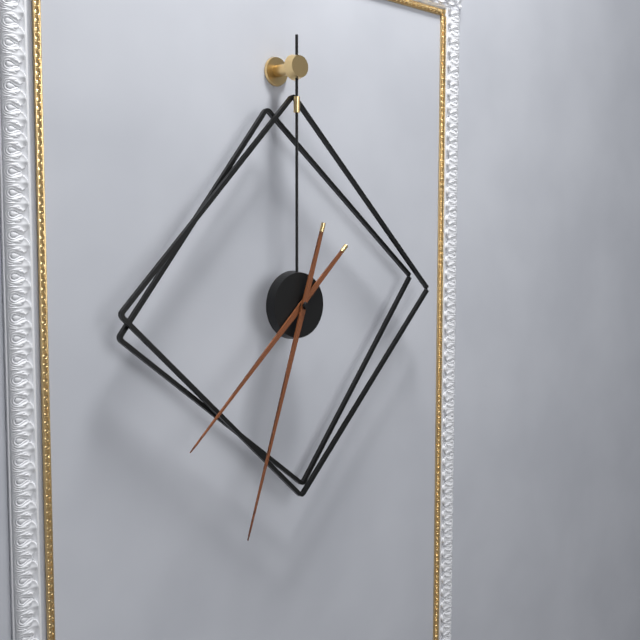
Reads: 7 h 33 min
